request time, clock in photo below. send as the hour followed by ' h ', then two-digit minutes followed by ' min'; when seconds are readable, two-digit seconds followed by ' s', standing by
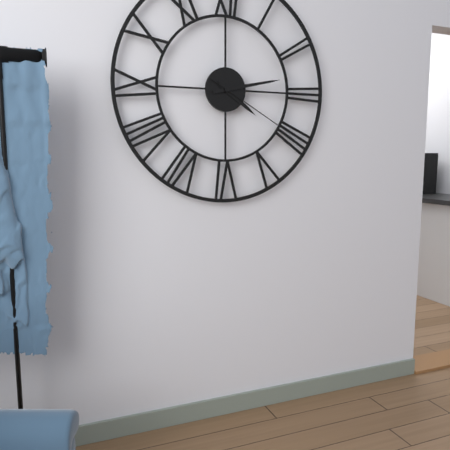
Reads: 4 h 13 min 20 s
